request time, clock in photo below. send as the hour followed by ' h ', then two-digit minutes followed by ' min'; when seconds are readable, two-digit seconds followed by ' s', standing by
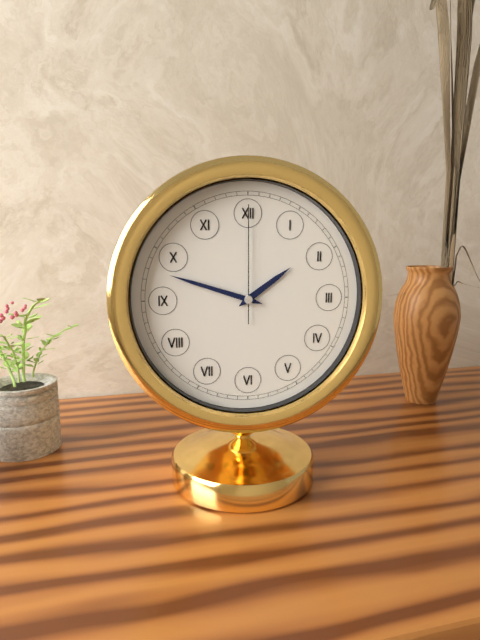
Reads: 1 h 48 min 00 s
